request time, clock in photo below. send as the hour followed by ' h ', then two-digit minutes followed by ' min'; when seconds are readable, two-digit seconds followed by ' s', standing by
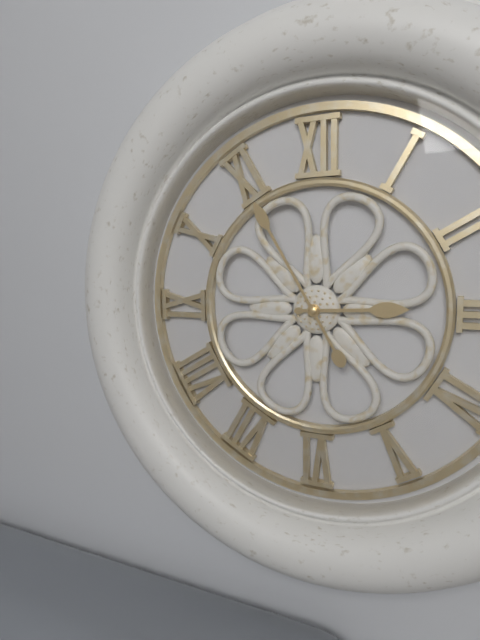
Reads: 2 h 55 min
